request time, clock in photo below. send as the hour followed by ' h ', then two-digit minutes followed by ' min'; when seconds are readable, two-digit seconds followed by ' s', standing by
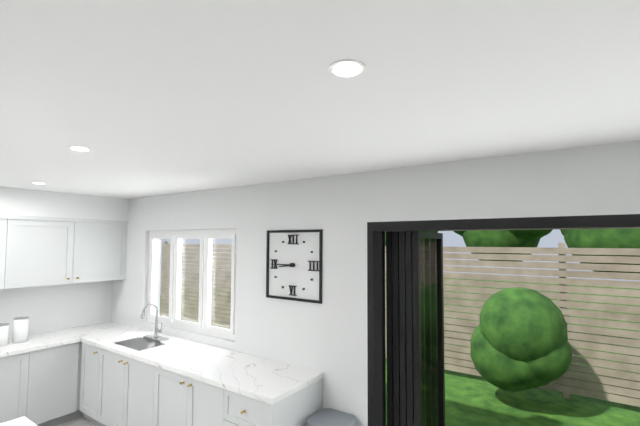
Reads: 8 h 45 min
